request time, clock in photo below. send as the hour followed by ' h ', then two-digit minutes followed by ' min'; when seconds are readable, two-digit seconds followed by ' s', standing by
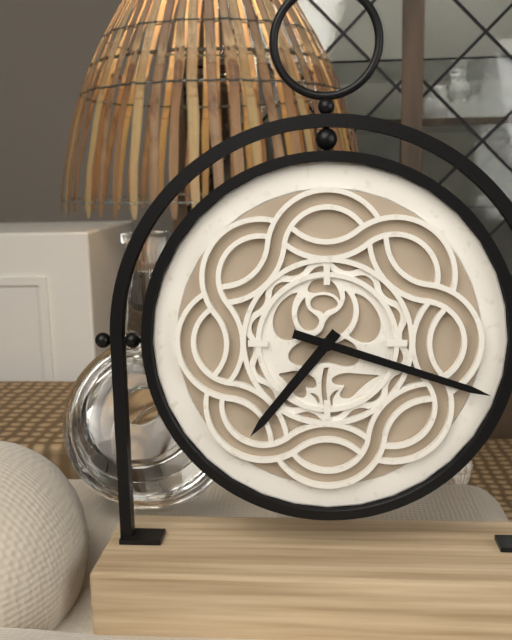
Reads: 7 h 18 min
